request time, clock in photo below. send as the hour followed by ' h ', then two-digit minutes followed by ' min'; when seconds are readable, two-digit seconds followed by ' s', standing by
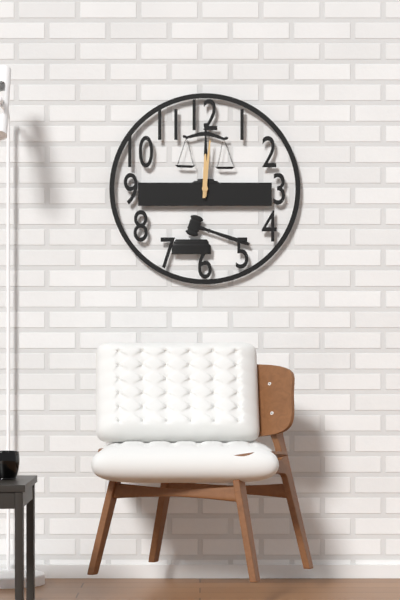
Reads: 12 h 01 min
